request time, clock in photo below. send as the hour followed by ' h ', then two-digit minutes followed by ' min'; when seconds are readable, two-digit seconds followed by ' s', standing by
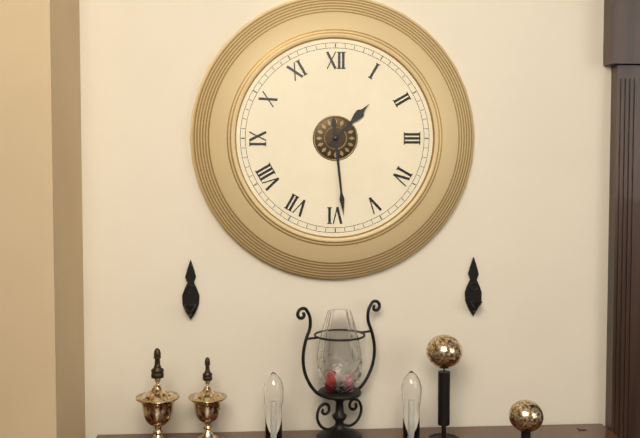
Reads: 1 h 29 min
